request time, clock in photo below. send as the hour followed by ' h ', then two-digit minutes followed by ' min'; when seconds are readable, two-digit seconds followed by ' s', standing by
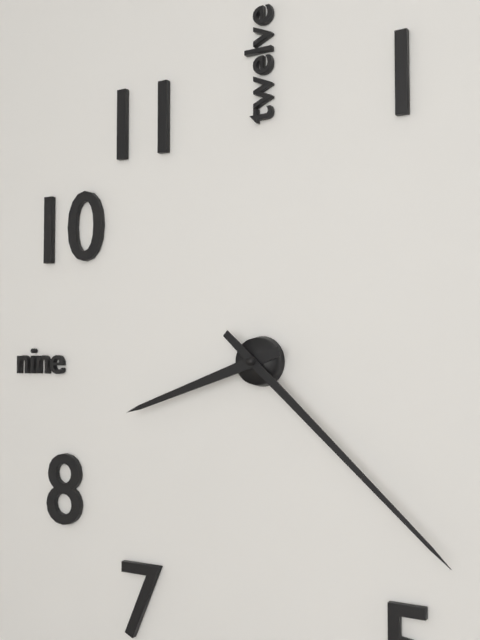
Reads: 8 h 22 min
